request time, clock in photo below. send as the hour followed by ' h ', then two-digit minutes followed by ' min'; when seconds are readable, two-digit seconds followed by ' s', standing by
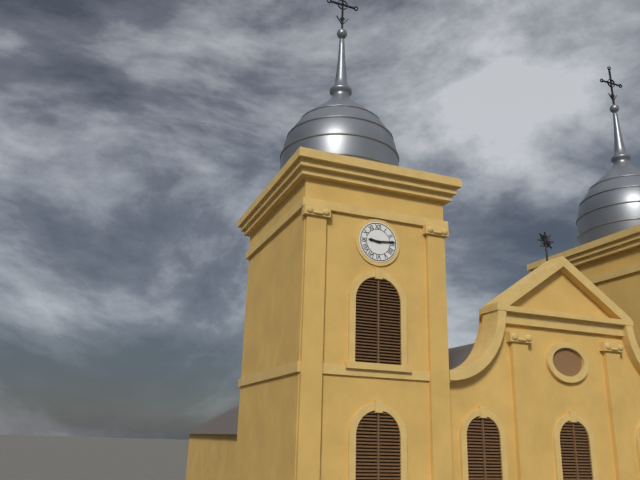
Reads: 9 h 14 min
